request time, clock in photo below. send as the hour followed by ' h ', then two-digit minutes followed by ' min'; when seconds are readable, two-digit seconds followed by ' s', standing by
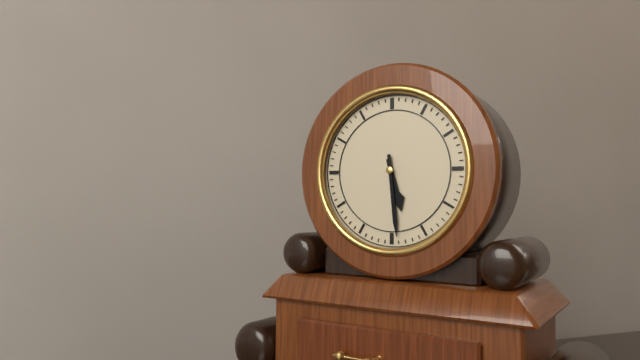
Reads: 5 h 29 min
